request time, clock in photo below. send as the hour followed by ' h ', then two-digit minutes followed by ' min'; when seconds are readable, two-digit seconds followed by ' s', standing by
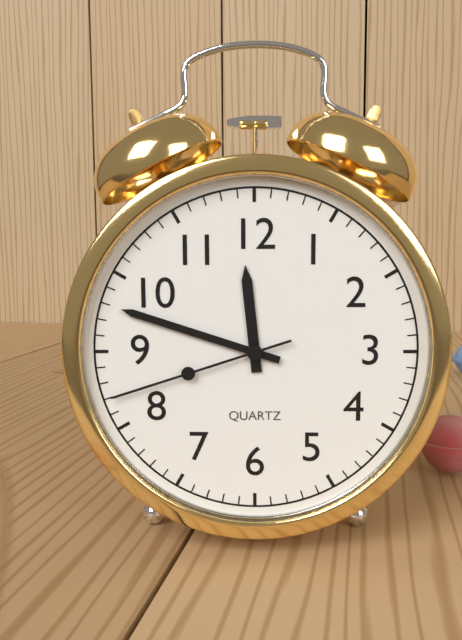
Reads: 11 h 48 min 42 s
